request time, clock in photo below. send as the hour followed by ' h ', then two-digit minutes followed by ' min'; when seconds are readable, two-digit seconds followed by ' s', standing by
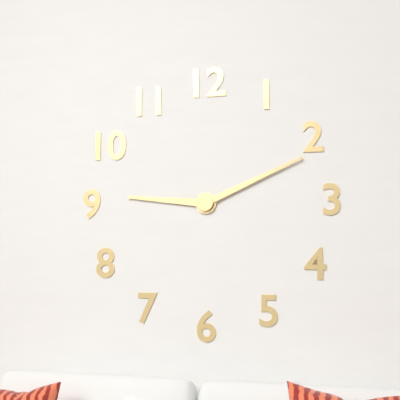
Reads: 9 h 11 min
